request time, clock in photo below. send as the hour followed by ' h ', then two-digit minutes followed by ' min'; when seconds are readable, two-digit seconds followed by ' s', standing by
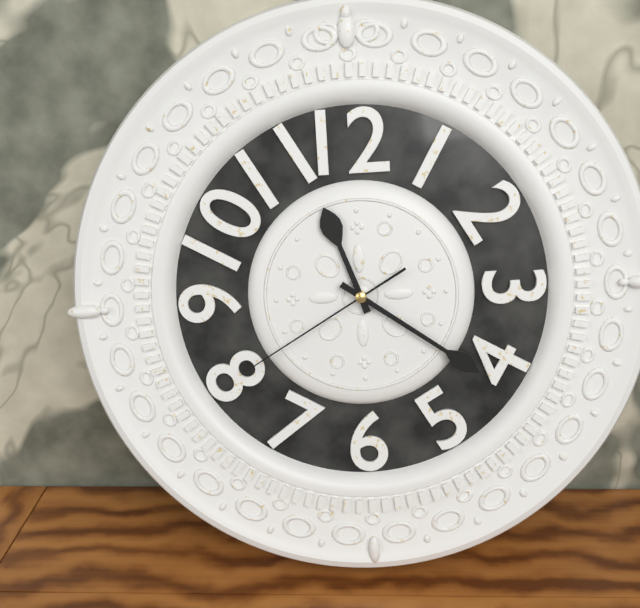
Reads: 11 h 21 min 40 s
